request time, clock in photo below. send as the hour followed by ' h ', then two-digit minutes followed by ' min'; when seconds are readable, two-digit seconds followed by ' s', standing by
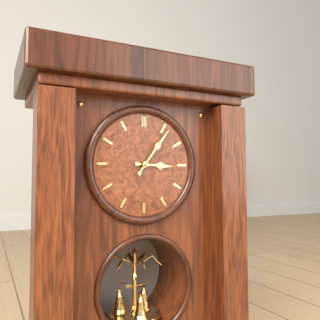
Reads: 3 h 06 min
